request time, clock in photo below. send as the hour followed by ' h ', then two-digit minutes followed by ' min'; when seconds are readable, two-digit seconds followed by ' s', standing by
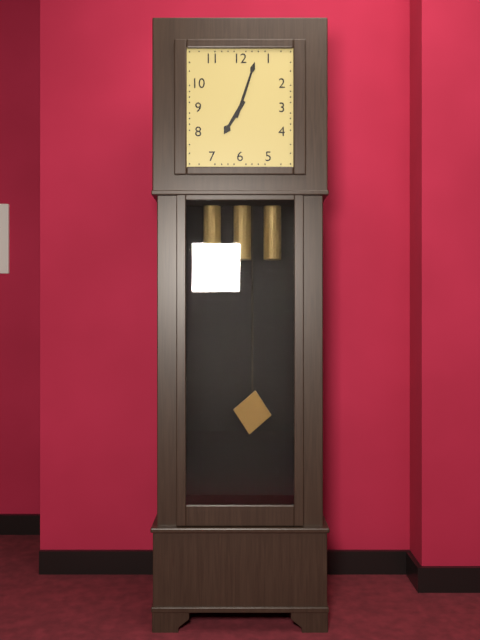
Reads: 7 h 03 min
